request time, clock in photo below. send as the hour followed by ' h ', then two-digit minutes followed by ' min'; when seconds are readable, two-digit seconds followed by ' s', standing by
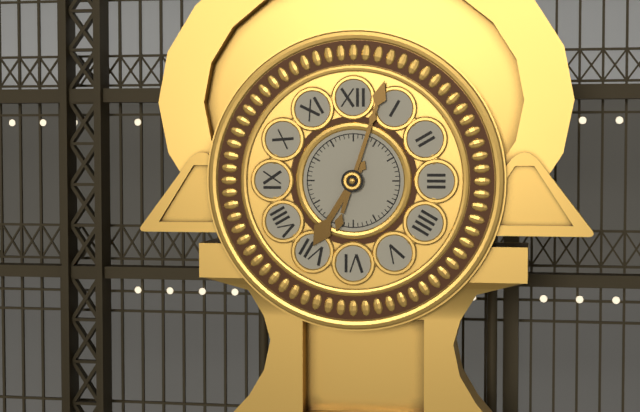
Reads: 7 h 03 min
